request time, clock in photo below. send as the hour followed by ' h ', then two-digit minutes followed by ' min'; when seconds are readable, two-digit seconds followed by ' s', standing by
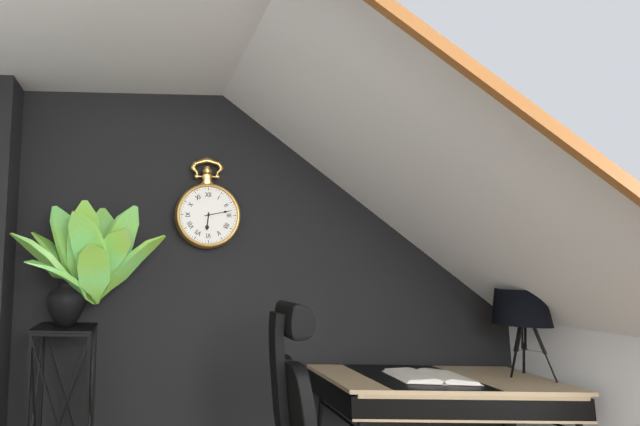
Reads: 6 h 13 min
